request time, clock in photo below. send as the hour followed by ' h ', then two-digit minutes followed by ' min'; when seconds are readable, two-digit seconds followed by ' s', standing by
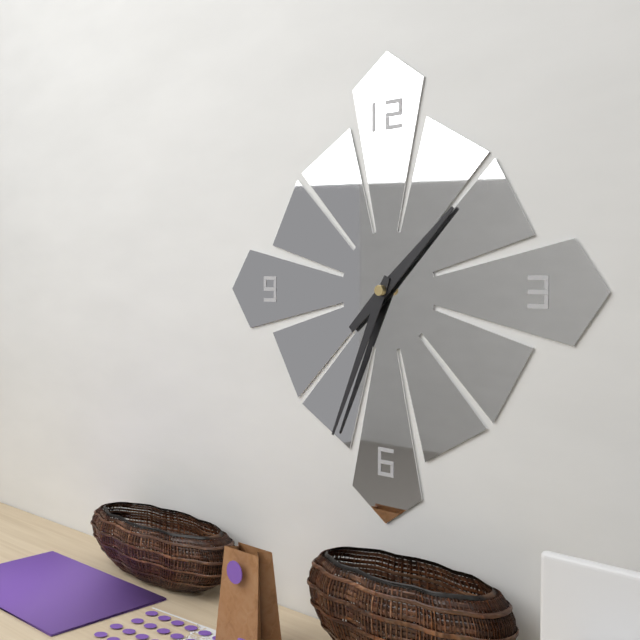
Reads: 1 h 34 min
